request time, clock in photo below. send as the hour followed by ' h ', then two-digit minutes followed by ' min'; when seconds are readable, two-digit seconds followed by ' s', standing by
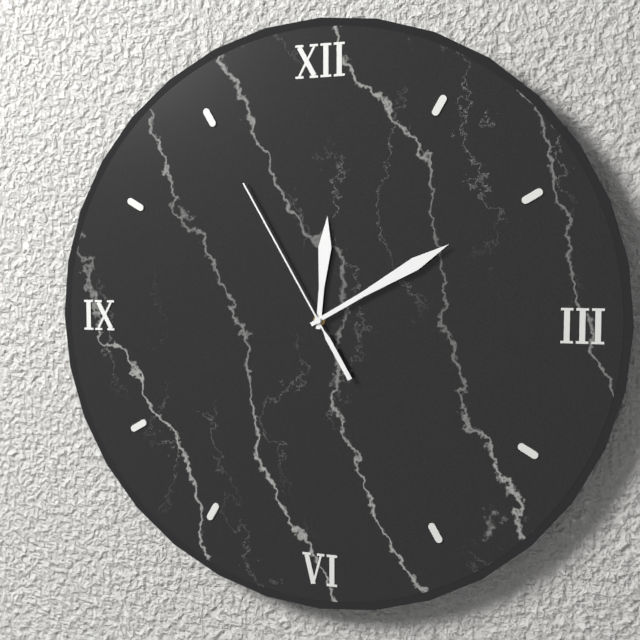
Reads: 12 h 10 min 55 s
